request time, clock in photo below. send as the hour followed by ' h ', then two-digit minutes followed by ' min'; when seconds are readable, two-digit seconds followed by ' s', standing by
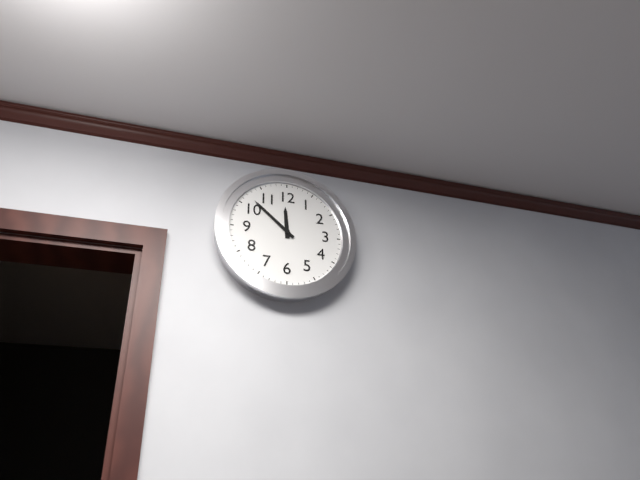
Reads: 11 h 52 min
